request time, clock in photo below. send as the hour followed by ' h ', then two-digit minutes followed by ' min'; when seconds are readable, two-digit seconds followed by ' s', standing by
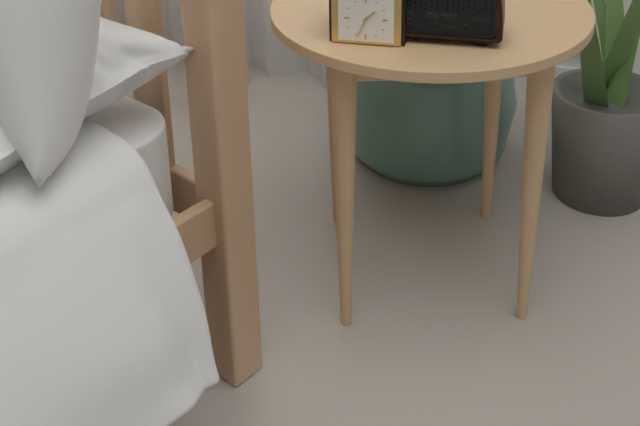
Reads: 1 h 34 min
